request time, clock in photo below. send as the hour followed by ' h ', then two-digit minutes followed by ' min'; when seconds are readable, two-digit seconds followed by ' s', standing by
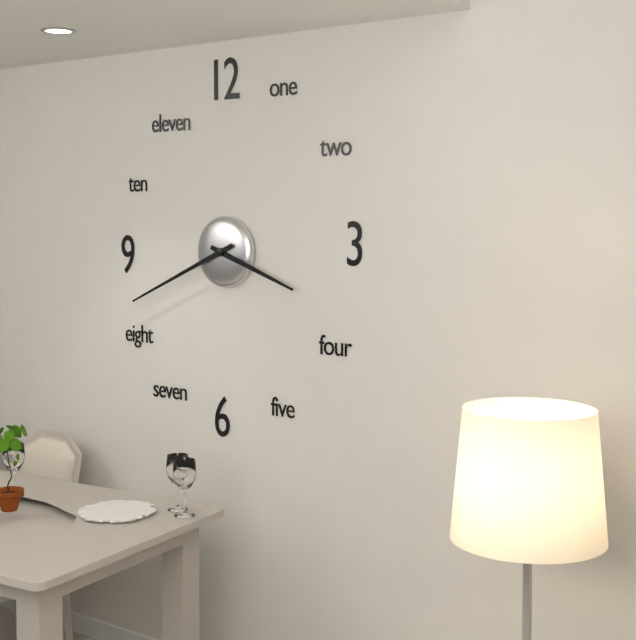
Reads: 3 h 41 min
